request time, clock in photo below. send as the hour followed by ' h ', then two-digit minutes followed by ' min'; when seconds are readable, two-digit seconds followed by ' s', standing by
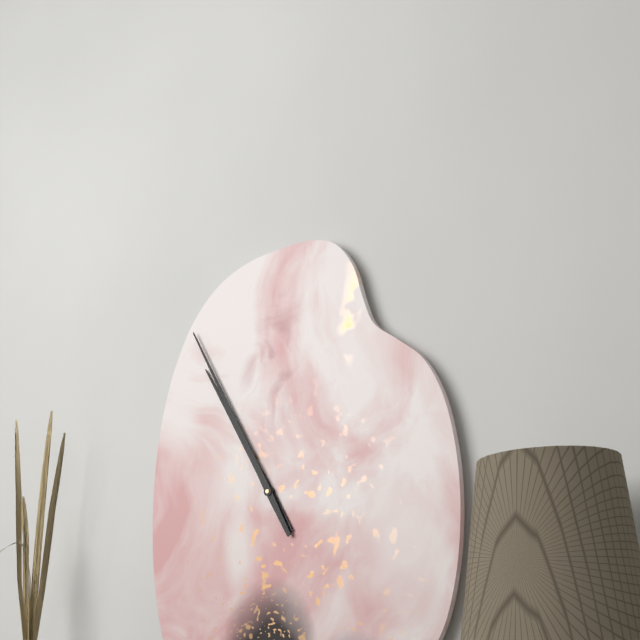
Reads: 10 h 55 min
